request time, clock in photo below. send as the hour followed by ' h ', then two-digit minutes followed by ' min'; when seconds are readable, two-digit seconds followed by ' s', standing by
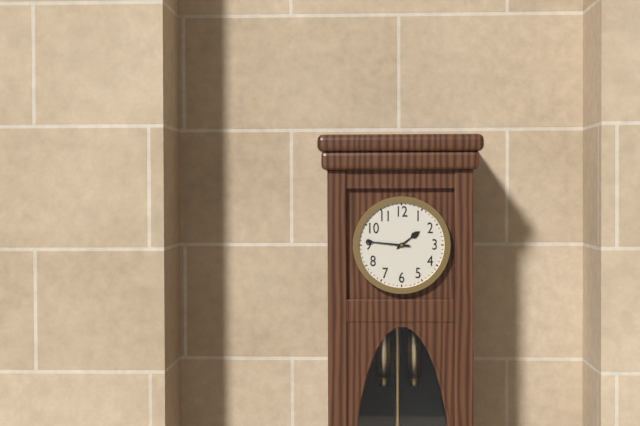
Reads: 1 h 46 min
